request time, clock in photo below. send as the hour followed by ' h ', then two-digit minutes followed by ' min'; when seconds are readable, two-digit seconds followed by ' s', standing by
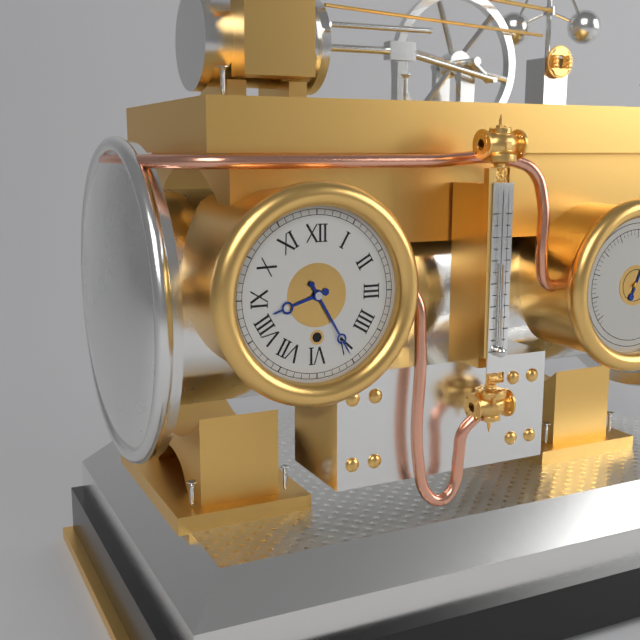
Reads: 8 h 25 min
